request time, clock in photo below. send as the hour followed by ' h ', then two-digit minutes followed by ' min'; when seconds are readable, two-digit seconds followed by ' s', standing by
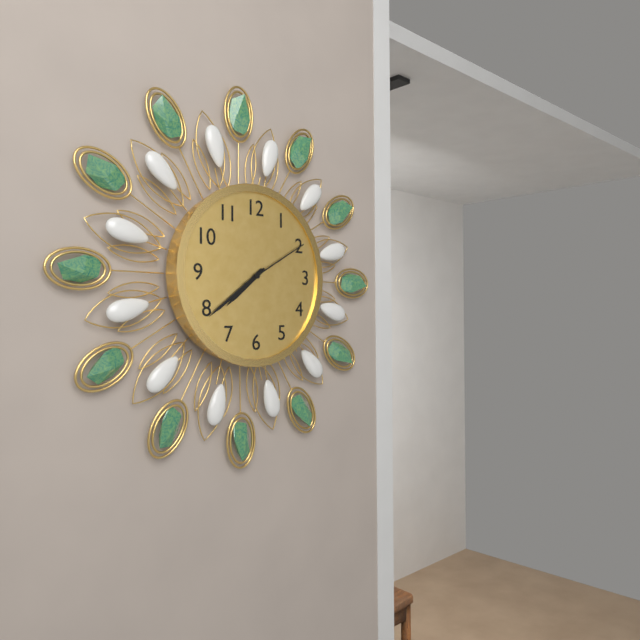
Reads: 7 h 39 min 10 s
